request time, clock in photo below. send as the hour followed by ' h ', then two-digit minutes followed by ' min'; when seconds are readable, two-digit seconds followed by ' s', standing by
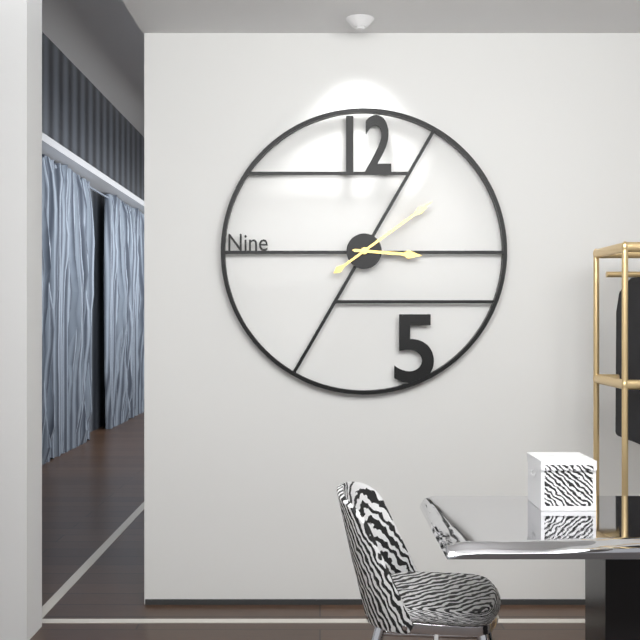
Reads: 3 h 09 min
